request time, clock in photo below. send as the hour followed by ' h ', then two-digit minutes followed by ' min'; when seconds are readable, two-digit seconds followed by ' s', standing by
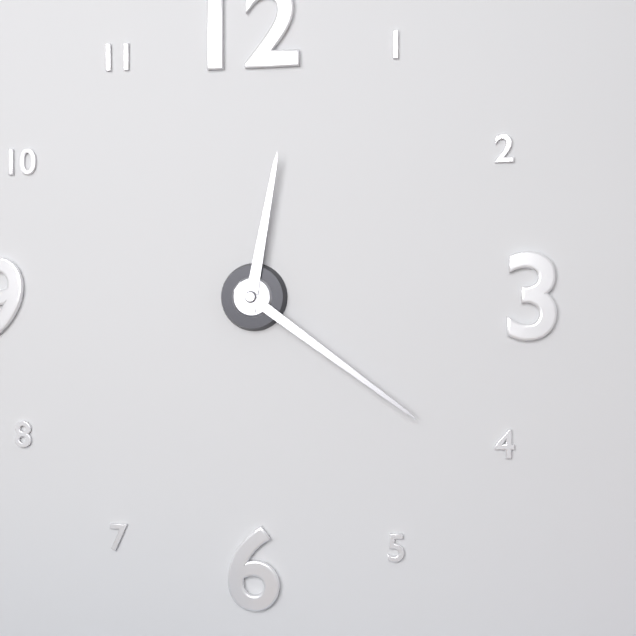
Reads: 12 h 21 min
